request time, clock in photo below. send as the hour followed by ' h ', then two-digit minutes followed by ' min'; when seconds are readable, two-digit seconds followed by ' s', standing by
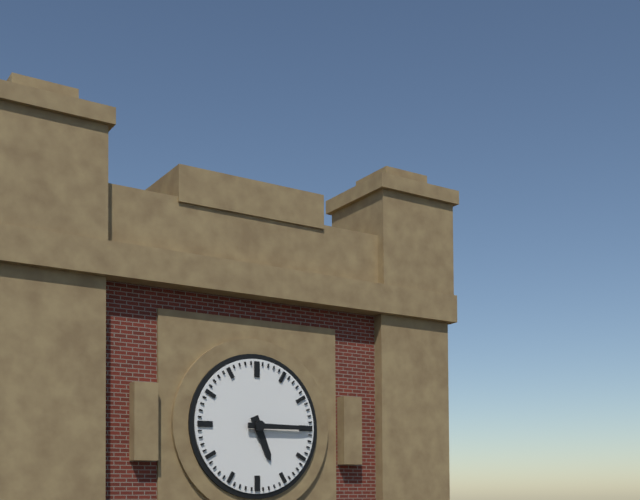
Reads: 5 h 15 min
